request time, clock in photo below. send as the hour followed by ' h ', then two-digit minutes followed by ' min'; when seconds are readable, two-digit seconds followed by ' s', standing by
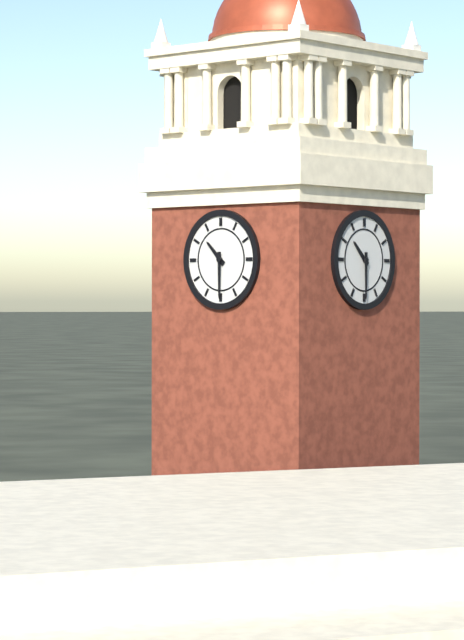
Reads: 10 h 30 min
